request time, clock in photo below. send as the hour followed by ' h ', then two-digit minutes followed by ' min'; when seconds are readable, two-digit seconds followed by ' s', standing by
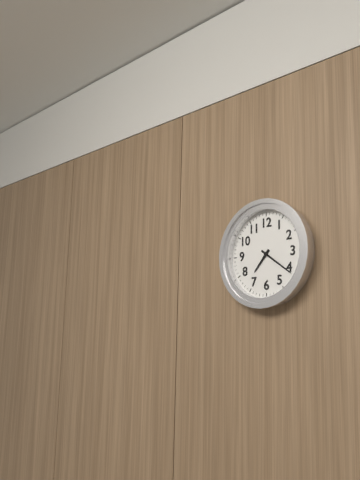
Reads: 7 h 21 min
